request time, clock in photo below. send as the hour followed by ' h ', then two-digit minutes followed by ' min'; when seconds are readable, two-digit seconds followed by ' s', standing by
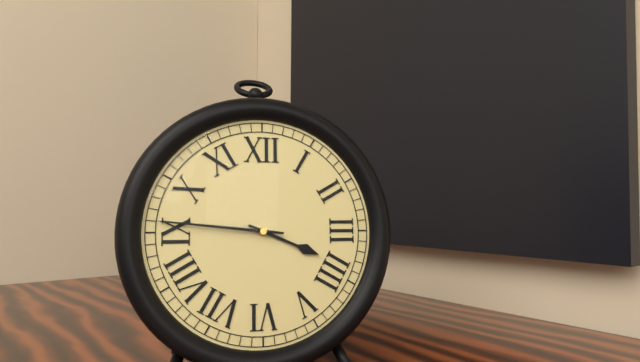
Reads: 3 h 46 min
